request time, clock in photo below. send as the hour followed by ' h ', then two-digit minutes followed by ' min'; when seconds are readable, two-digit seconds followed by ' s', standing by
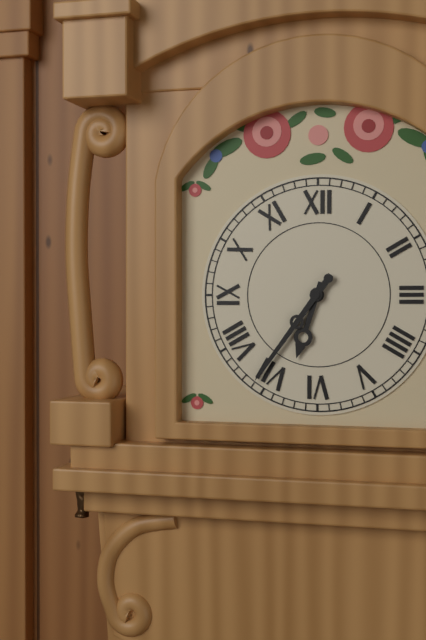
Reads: 6 h 36 min
